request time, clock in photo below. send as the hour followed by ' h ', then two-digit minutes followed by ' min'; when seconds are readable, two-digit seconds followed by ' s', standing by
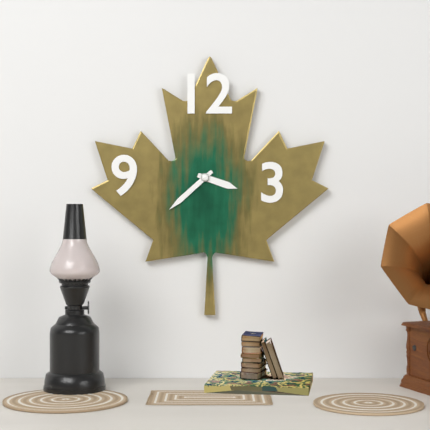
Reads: 3 h 38 min
